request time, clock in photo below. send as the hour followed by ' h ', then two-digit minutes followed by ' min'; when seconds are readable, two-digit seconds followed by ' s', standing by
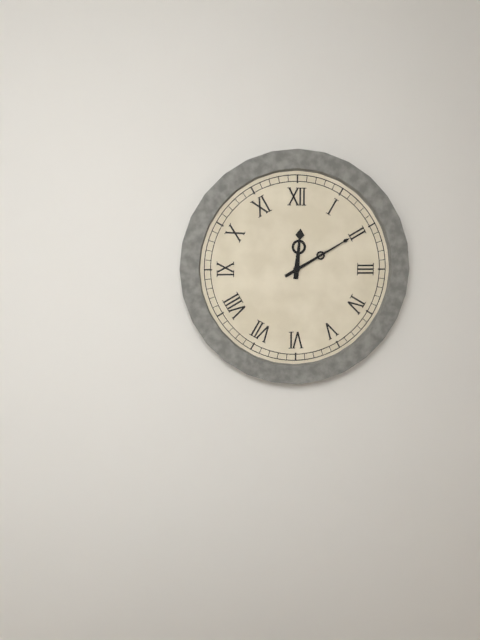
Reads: 12 h 10 min
